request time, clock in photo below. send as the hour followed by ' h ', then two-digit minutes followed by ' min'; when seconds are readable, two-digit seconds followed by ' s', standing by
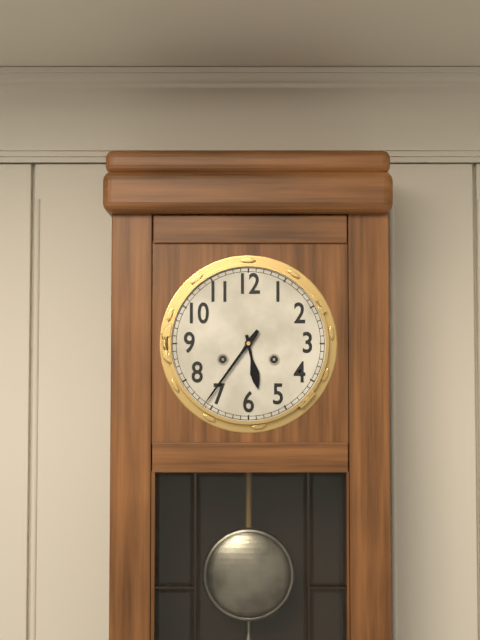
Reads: 5 h 36 min
